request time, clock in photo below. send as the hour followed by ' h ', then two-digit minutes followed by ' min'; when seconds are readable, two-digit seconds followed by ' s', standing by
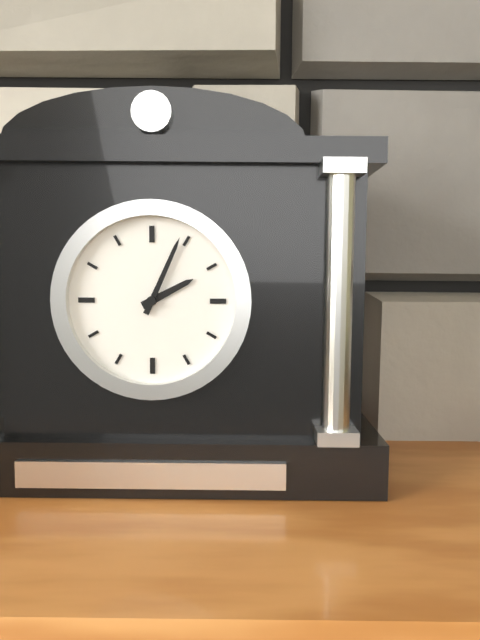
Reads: 2 h 04 min
